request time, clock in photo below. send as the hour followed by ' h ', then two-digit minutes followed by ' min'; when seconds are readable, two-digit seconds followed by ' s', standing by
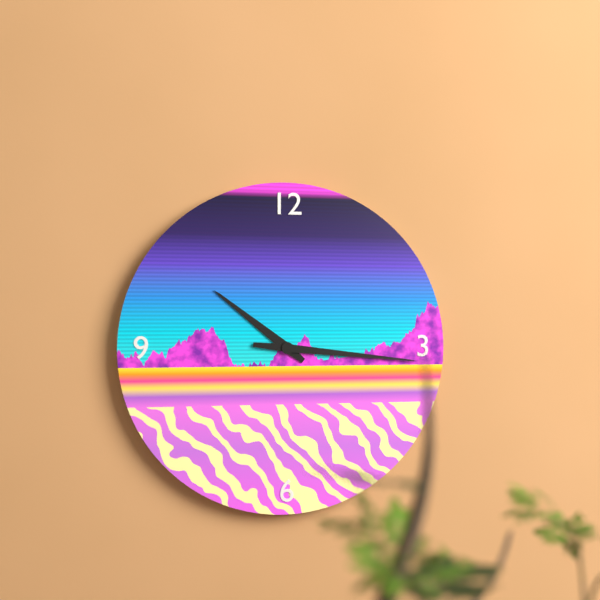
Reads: 10 h 16 min
